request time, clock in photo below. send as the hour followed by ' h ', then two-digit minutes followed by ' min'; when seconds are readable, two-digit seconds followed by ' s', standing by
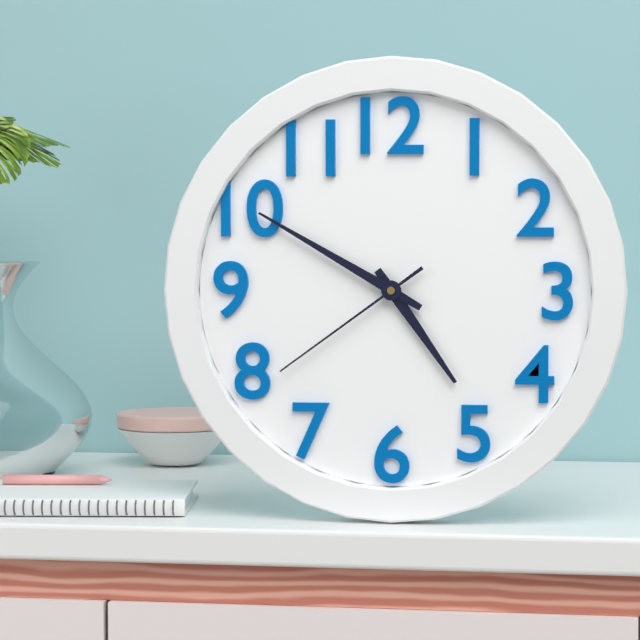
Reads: 4 h 50 min 39 s
